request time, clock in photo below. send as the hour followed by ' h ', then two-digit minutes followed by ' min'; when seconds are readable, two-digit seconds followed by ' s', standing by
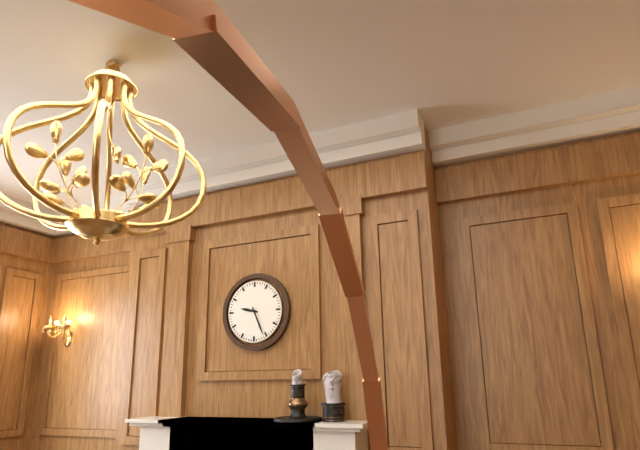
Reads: 9 h 26 min
